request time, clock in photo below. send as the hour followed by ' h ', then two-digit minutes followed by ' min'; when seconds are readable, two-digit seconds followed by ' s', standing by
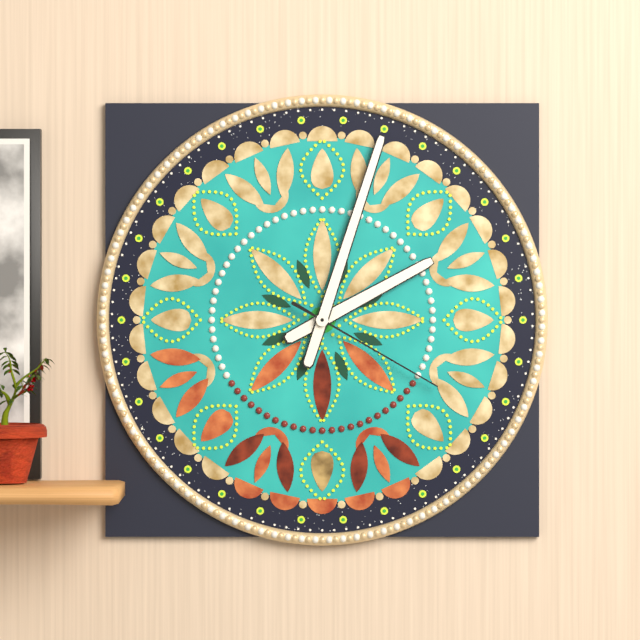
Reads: 2 h 03 min 20 s
